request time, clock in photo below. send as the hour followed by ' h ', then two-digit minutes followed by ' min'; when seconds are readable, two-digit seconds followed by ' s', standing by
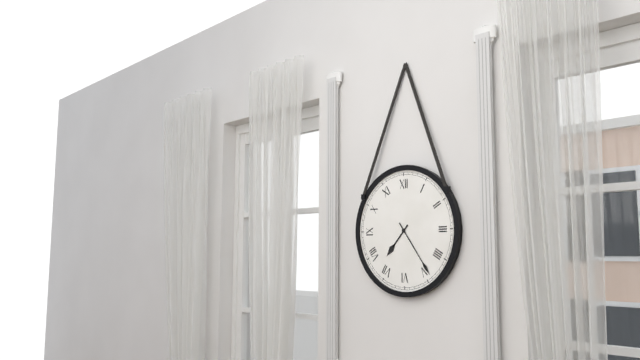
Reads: 7 h 24 min
